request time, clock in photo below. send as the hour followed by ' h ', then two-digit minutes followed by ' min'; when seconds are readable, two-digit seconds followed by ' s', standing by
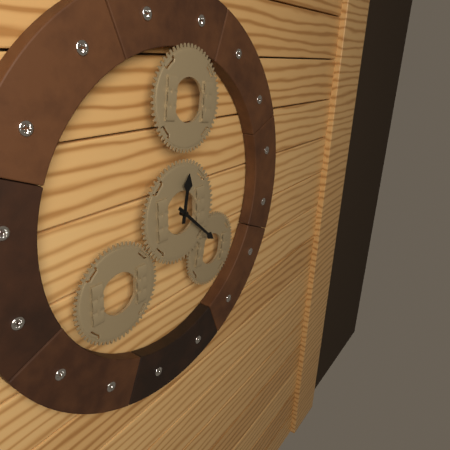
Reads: 12 h 22 min
